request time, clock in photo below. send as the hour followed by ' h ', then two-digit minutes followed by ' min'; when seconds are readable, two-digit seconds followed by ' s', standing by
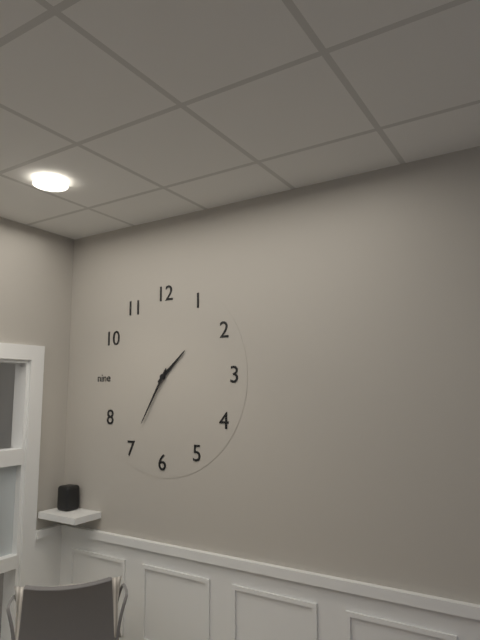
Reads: 1 h 35 min
